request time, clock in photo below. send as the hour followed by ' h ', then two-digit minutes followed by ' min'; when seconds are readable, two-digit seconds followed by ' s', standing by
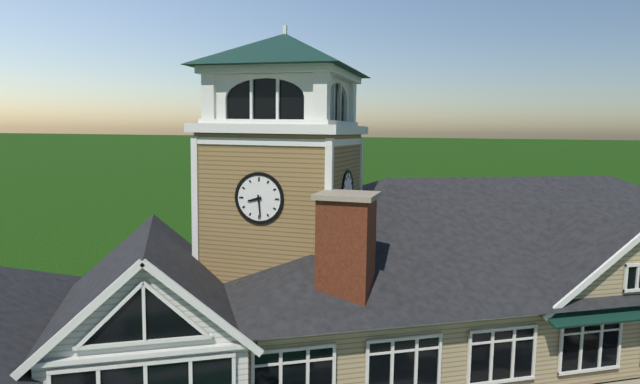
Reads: 8 h 29 min
